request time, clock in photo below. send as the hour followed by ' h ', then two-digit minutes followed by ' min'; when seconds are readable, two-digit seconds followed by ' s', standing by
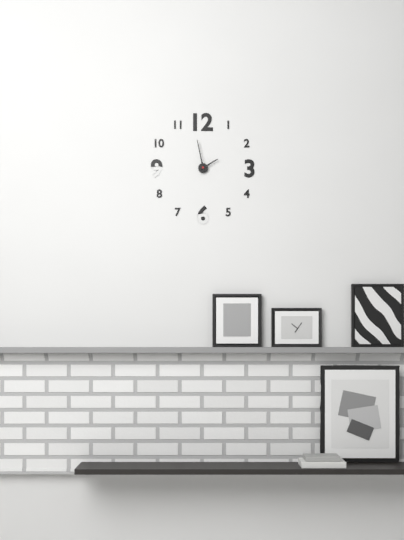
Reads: 1 h 58 min
